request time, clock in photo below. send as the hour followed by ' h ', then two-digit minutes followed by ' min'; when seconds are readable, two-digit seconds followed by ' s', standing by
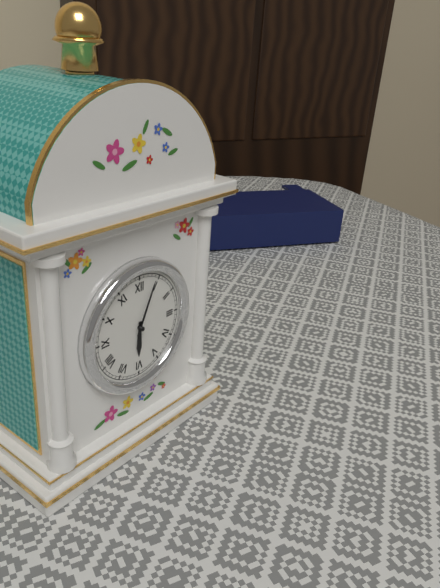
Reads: 6 h 04 min
